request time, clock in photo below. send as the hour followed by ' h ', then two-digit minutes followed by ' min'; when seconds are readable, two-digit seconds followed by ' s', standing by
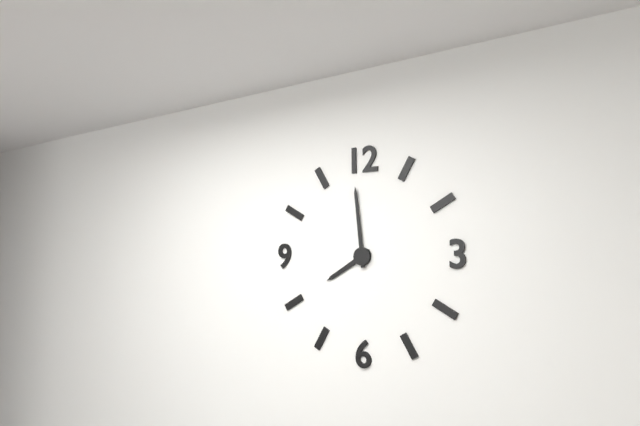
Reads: 7 h 59 min
